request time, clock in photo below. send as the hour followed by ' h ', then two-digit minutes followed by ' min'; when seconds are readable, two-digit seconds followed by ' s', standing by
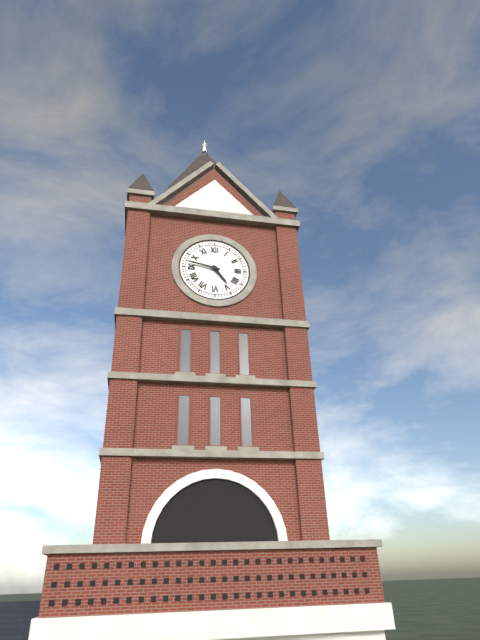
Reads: 4 h 47 min
